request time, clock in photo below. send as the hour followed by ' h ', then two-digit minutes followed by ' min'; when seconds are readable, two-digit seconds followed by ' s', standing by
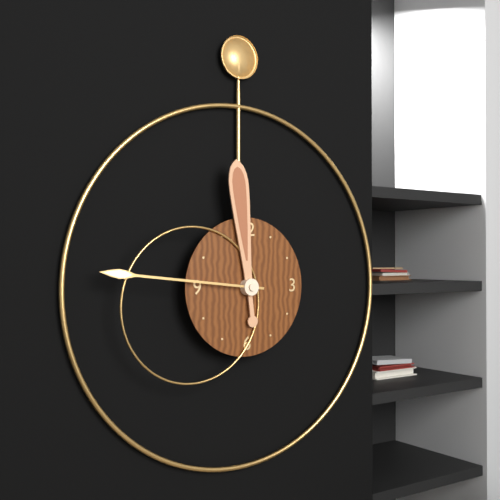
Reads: 11 h 46 min
